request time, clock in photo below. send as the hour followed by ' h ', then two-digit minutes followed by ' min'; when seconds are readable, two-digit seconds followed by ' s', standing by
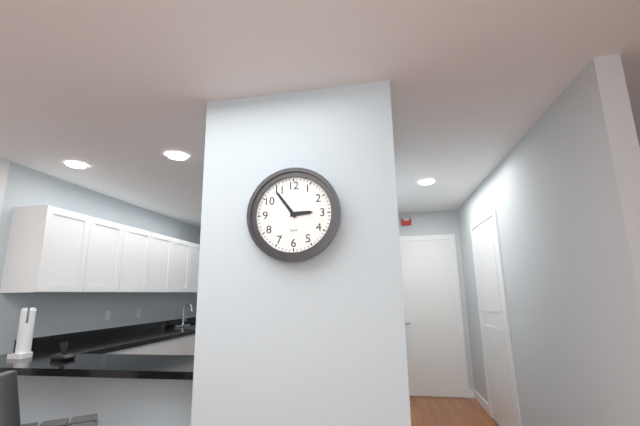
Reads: 2 h 54 min
